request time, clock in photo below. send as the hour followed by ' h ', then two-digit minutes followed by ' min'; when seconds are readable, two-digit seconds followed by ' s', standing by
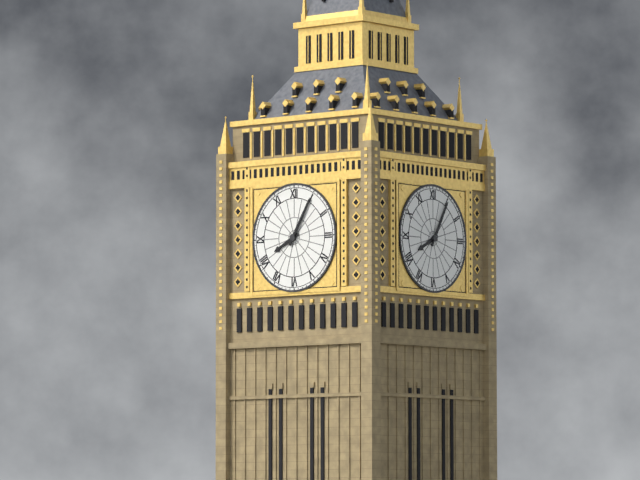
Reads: 8 h 05 min
